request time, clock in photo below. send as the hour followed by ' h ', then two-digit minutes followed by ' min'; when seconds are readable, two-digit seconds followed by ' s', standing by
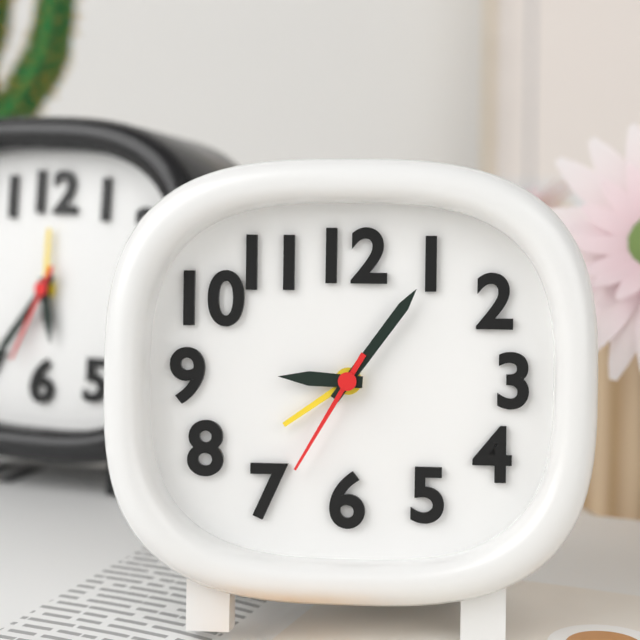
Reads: 9 h 06 min 35 s
